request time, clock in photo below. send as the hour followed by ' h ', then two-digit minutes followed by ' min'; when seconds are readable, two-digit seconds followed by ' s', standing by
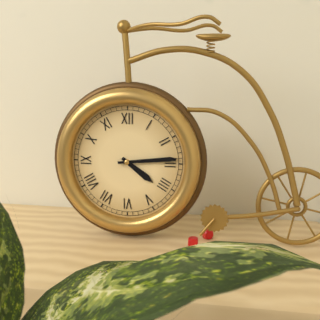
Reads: 4 h 14 min
